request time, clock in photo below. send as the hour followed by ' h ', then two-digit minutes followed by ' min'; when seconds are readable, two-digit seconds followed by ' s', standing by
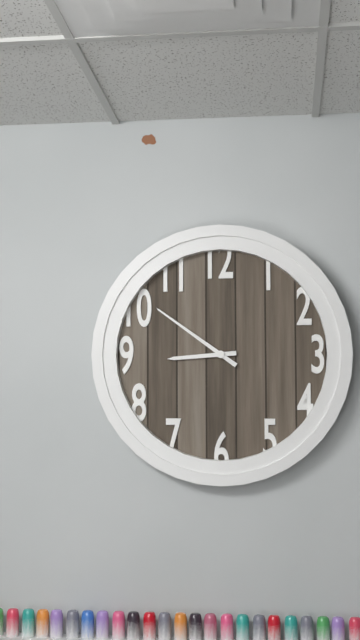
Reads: 8 h 51 min
